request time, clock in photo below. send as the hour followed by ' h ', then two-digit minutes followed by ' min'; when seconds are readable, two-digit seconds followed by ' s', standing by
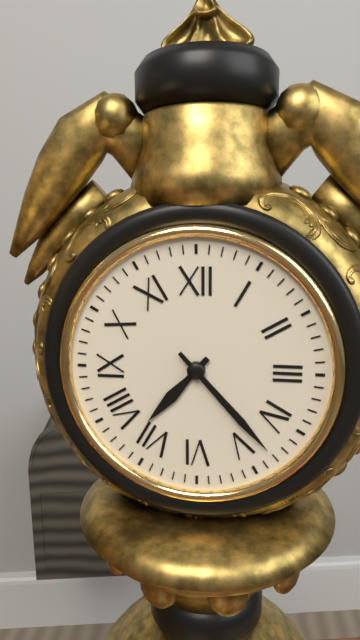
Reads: 7 h 23 min
